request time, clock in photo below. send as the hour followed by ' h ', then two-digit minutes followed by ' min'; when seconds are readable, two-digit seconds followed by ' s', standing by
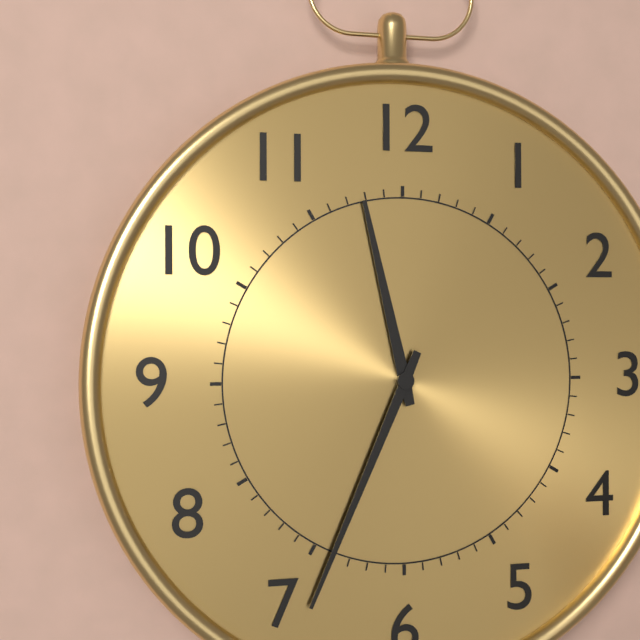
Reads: 11 h 34 min
